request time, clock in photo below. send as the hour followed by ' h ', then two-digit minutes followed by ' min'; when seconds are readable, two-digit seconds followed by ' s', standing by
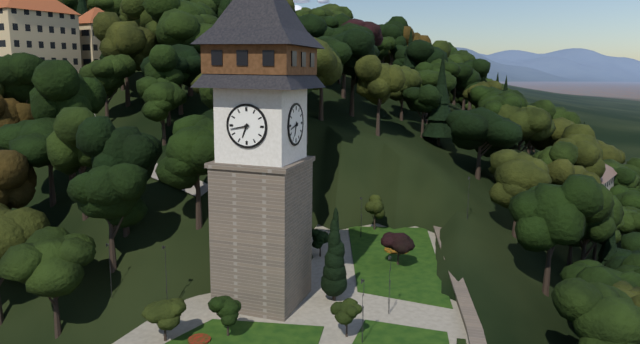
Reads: 6 h 43 min
